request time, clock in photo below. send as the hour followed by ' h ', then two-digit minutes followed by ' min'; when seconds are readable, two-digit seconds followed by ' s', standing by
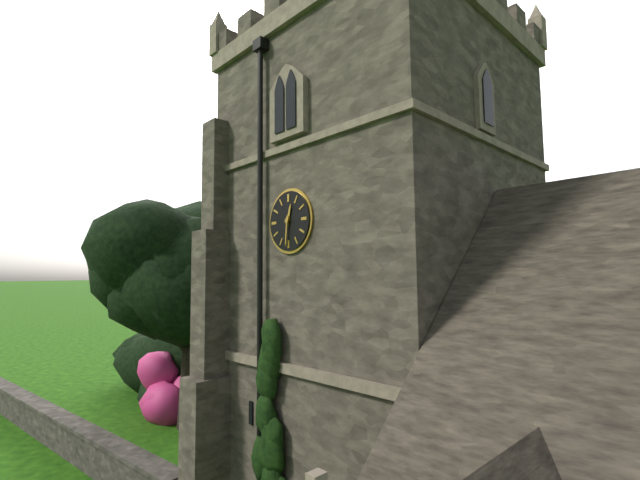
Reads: 12 h 31 min
